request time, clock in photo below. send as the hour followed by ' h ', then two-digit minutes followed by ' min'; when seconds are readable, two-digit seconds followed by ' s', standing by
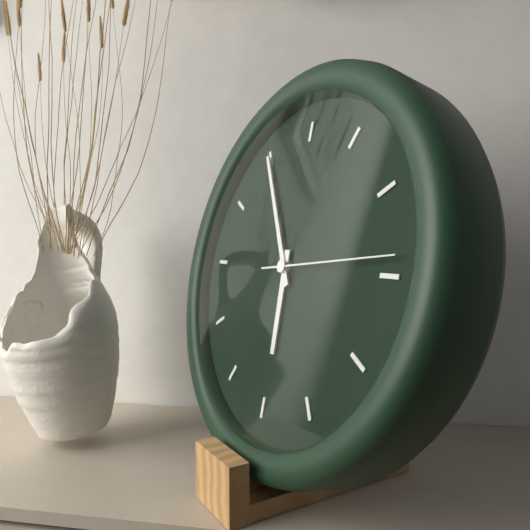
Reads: 5 h 55 min 14 s
